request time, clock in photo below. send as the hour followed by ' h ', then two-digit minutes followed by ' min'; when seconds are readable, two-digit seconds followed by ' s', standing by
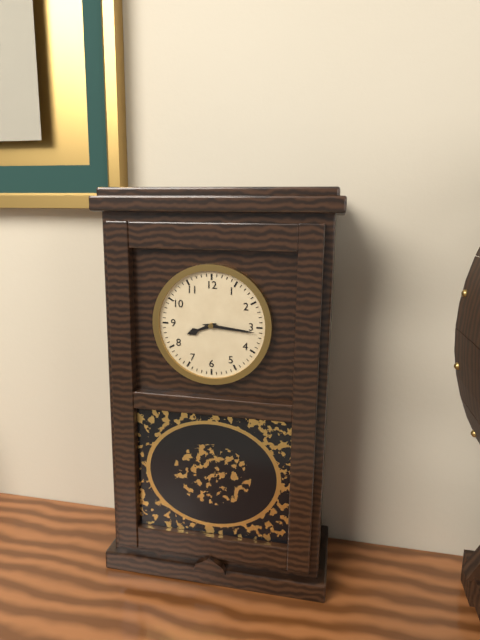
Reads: 8 h 16 min
